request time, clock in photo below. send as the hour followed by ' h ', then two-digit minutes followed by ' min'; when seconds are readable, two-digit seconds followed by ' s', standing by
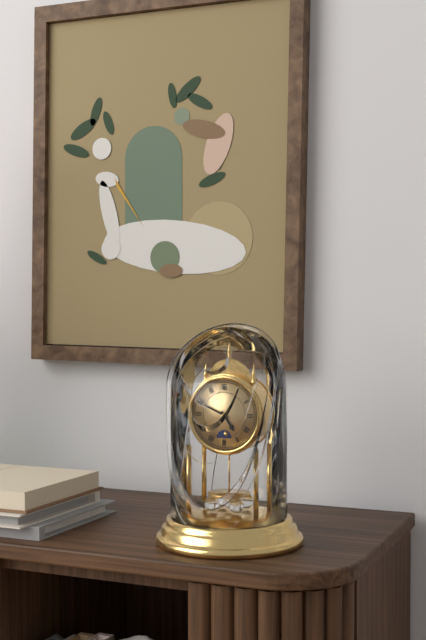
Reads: 4 h 49 min
